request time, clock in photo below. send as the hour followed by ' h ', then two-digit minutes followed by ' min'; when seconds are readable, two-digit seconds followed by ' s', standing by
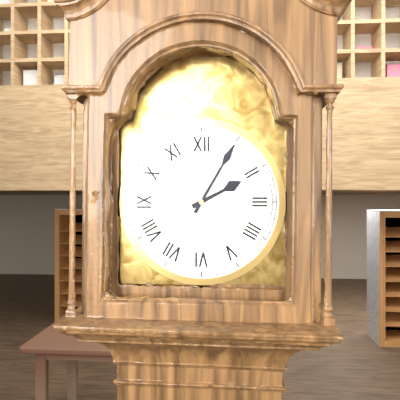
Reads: 2 h 05 min
